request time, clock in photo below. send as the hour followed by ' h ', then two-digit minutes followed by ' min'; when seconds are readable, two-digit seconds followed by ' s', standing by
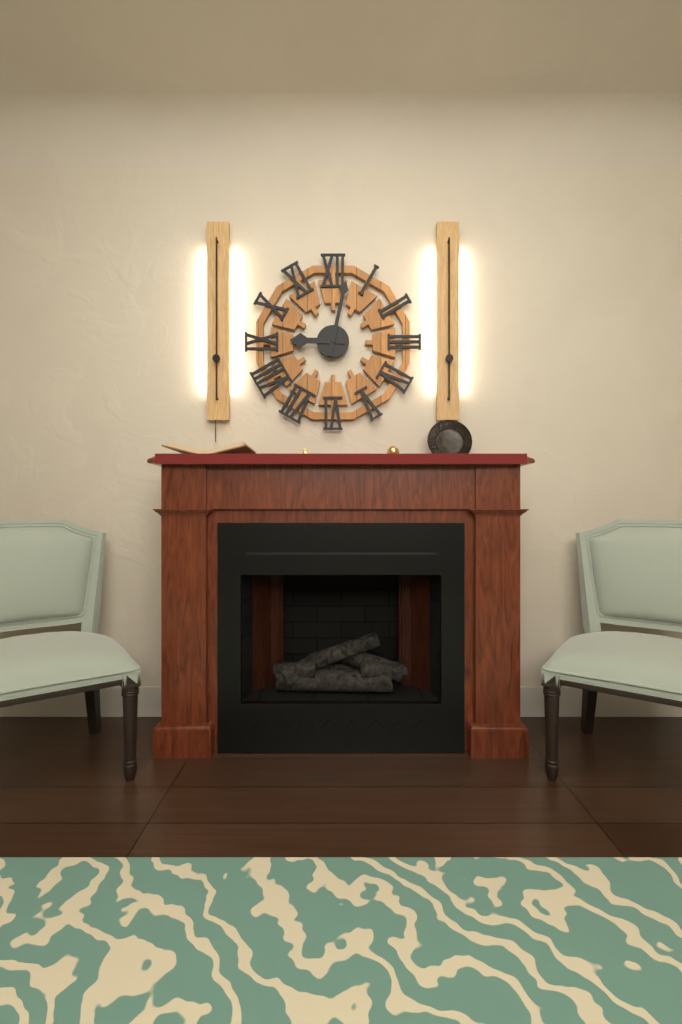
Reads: 9 h 02 min
